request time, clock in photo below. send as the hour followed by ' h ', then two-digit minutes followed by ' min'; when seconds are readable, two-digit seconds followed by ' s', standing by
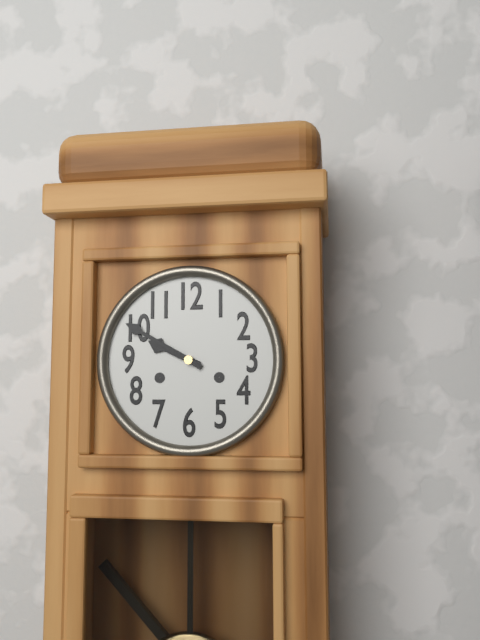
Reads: 9 h 50 min
